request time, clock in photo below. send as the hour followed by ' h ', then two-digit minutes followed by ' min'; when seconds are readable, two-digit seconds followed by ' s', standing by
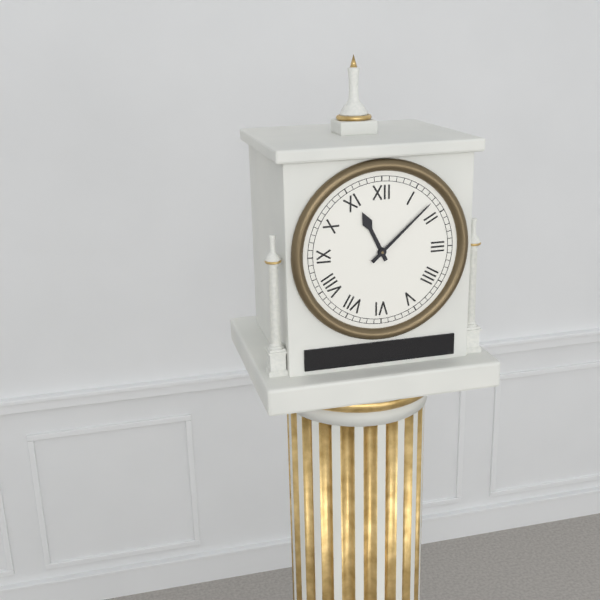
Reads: 11 h 08 min
